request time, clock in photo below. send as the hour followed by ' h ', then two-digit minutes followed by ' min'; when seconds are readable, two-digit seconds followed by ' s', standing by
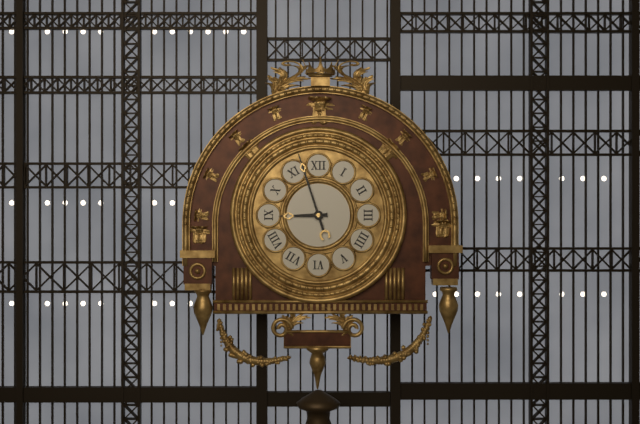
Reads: 8 h 57 min
